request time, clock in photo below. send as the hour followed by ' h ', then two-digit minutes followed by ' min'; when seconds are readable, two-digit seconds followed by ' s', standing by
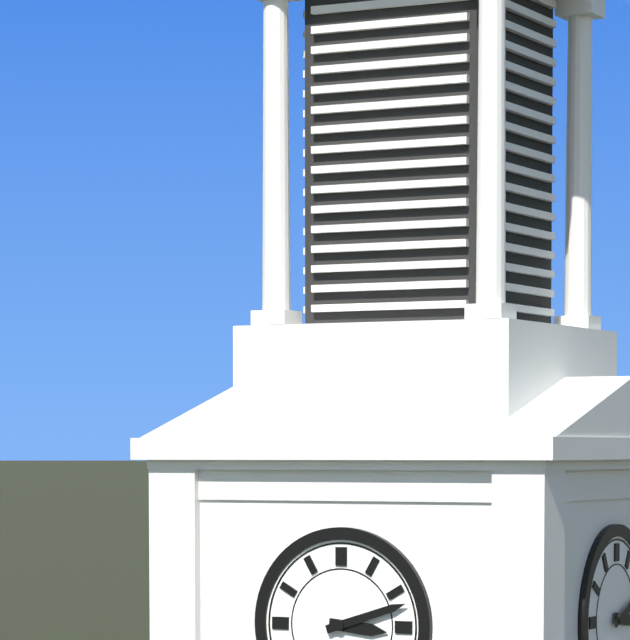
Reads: 3 h 12 min
